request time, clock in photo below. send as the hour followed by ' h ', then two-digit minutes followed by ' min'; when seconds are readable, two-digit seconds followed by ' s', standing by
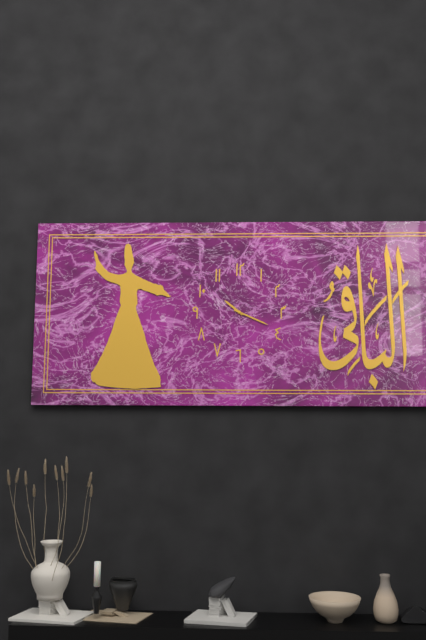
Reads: 10 h 19 min
